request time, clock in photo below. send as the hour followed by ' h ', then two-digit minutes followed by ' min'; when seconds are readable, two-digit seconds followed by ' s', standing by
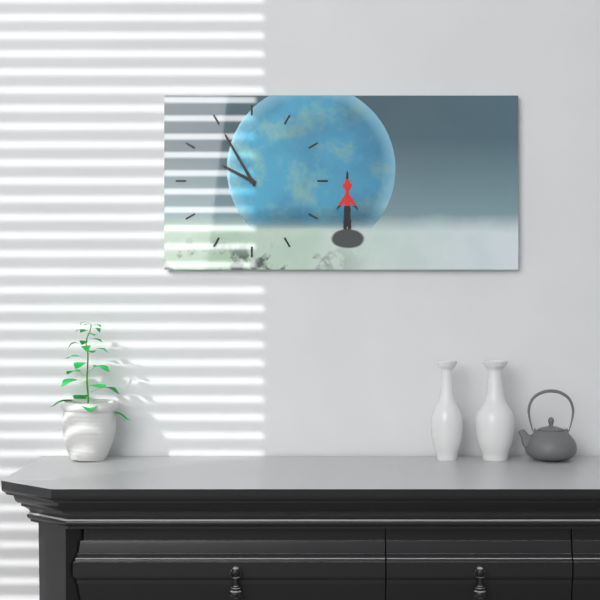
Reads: 9 h 55 min
